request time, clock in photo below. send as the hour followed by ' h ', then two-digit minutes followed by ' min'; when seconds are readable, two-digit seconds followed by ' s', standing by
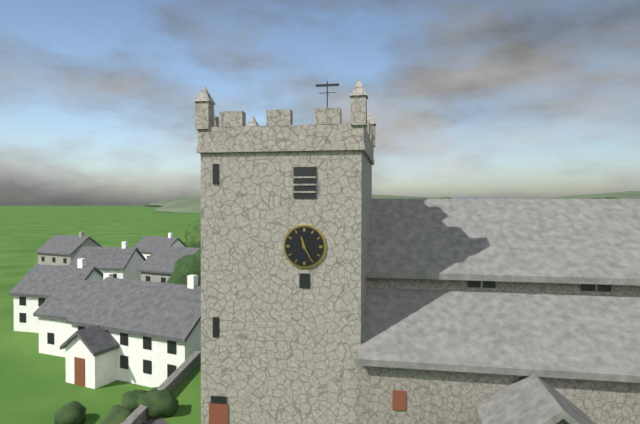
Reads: 11 h 25 min
